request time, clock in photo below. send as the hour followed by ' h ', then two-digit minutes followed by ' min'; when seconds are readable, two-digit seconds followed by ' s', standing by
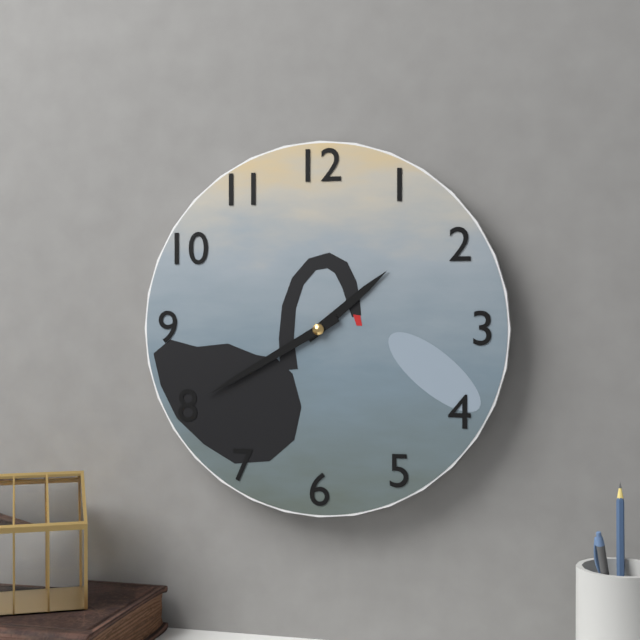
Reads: 1 h 40 min
